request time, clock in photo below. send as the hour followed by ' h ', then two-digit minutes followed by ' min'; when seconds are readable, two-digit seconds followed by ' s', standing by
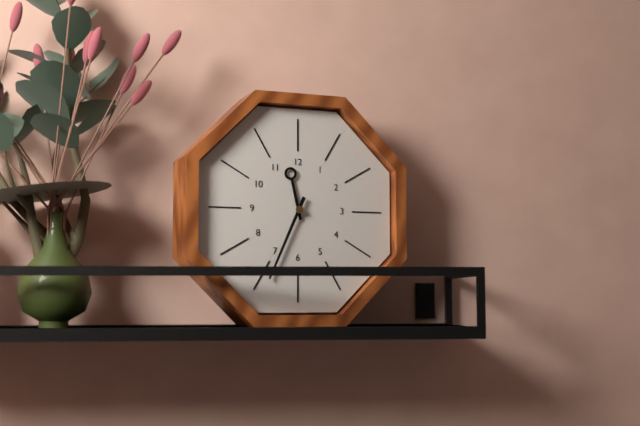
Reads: 11 h 34 min
